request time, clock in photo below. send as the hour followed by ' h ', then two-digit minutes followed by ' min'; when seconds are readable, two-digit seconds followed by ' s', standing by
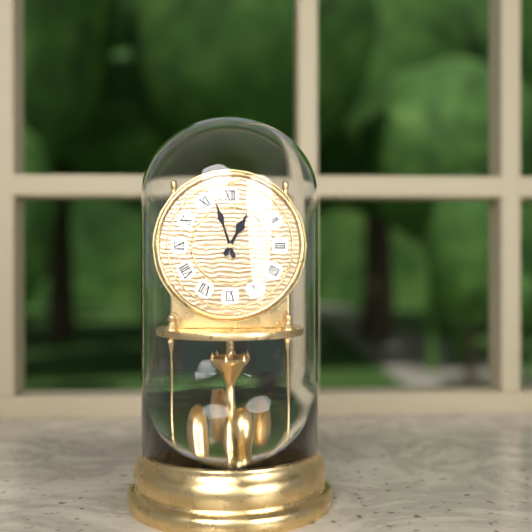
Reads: 12 h 57 min
